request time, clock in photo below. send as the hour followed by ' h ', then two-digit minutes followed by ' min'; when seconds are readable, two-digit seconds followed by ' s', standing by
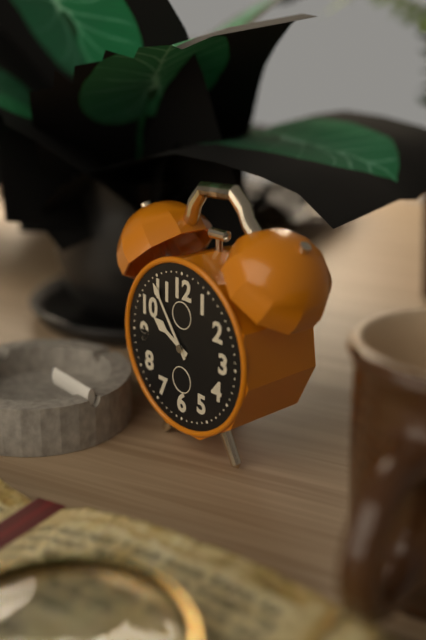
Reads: 9 h 54 min
